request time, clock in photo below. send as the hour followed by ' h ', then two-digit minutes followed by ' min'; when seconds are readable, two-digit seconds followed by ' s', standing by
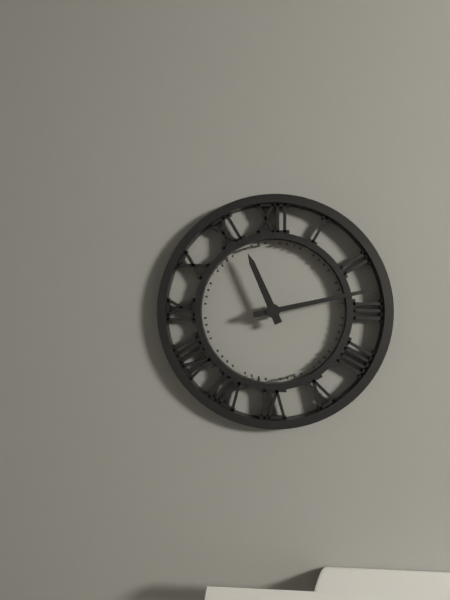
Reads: 11 h 13 min
